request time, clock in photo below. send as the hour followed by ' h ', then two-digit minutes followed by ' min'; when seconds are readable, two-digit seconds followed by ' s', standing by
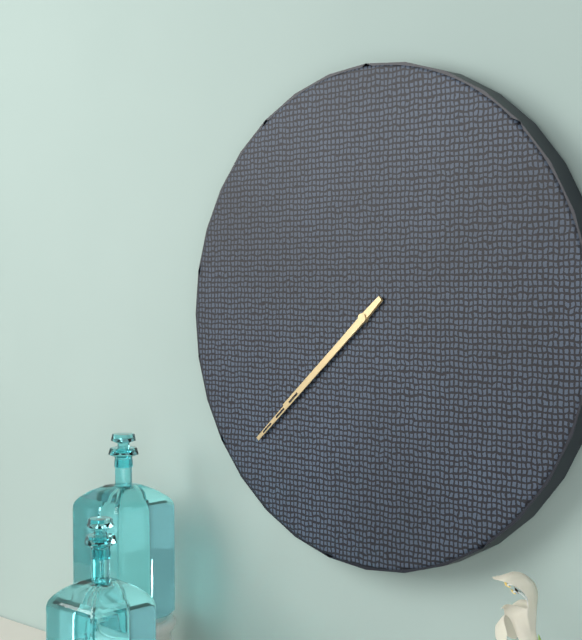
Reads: 7 h 38 min
